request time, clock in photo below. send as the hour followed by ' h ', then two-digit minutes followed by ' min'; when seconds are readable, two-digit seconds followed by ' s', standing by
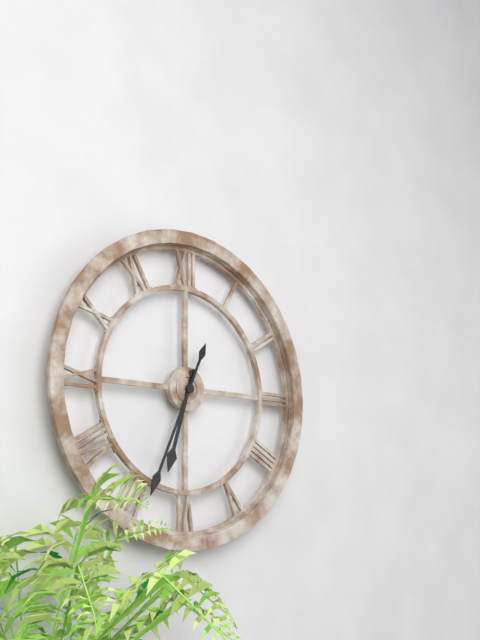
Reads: 6 h 34 min
